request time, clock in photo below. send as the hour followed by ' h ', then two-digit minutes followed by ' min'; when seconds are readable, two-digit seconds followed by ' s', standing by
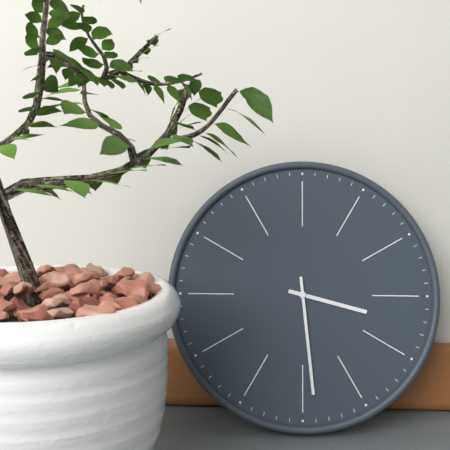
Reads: 3 h 29 min
